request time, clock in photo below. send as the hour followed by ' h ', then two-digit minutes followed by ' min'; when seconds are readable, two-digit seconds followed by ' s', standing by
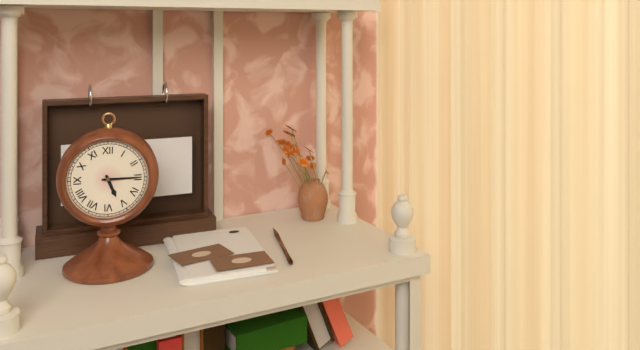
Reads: 5 h 15 min
